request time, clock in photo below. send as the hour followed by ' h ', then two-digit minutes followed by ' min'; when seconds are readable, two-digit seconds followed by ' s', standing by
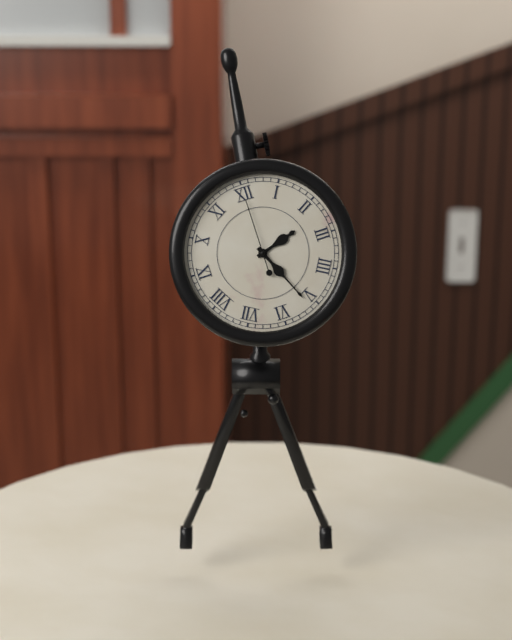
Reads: 2 h 26 min 00 s
